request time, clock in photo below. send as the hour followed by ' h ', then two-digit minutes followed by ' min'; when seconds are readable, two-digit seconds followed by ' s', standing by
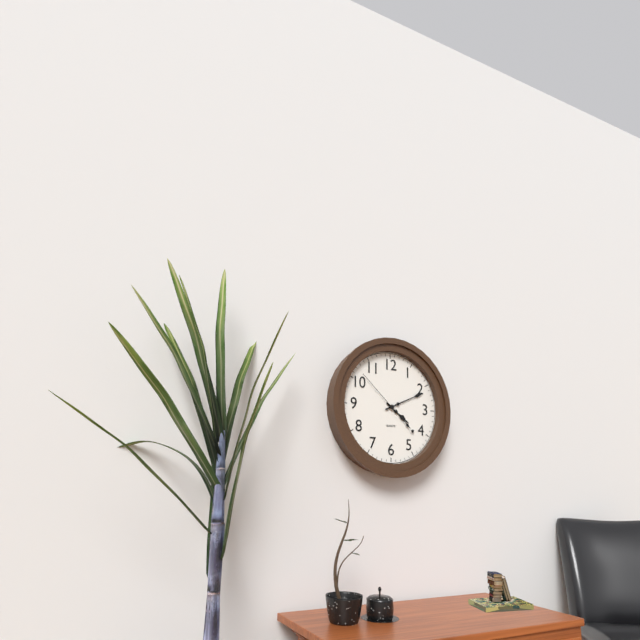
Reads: 4 h 11 min 52 s
